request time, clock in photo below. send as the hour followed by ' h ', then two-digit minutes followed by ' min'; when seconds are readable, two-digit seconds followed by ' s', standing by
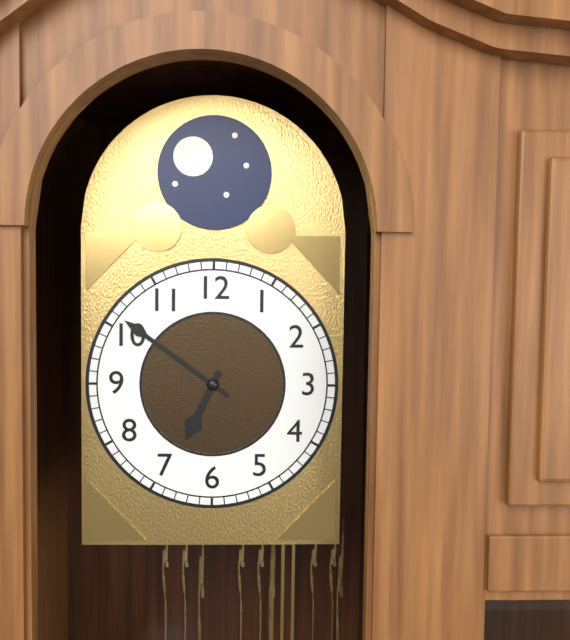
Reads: 6 h 51 min
